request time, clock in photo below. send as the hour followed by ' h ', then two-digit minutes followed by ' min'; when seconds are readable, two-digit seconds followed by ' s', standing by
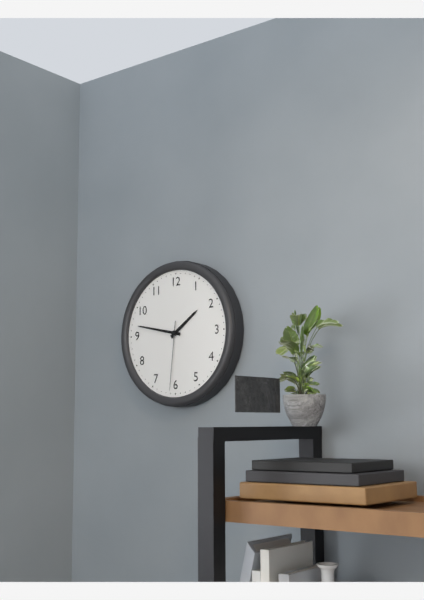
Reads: 1 h 47 min 31 s
